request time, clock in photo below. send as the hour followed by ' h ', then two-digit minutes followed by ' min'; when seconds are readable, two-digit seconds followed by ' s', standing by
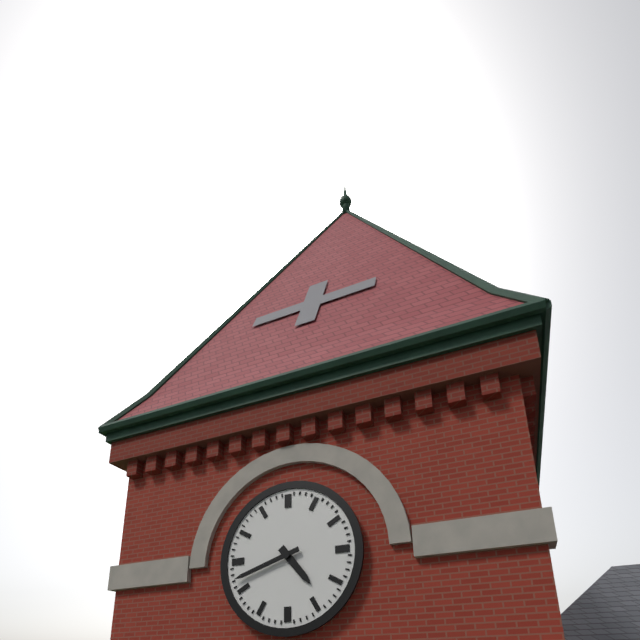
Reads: 4 h 42 min
